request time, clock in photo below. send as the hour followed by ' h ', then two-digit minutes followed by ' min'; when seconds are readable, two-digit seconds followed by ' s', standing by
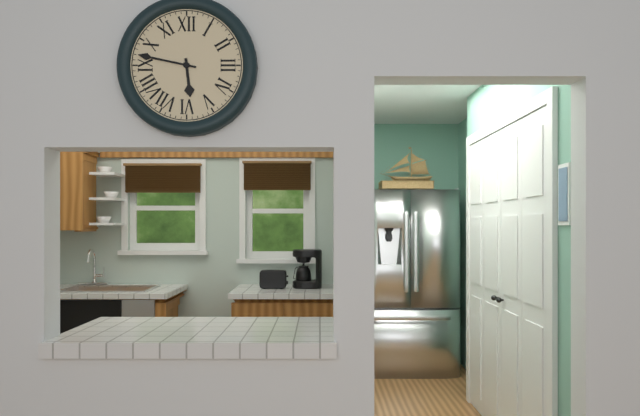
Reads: 5 h 47 min
